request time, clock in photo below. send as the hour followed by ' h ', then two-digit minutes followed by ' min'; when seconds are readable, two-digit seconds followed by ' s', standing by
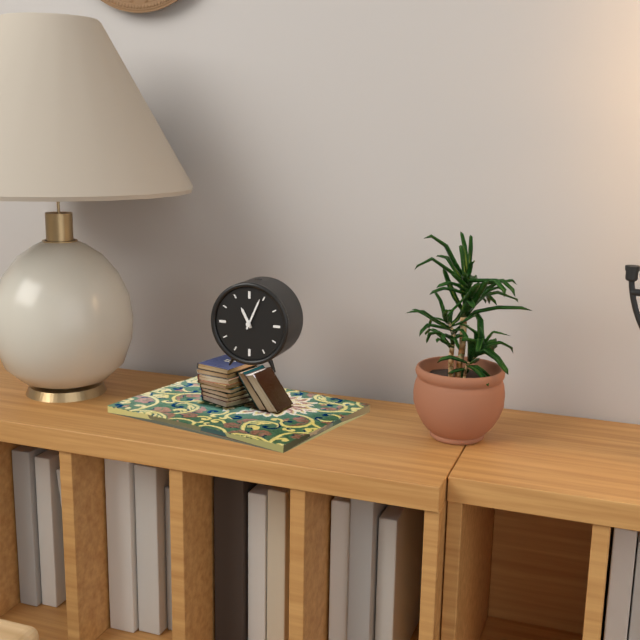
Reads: 11 h 04 min
